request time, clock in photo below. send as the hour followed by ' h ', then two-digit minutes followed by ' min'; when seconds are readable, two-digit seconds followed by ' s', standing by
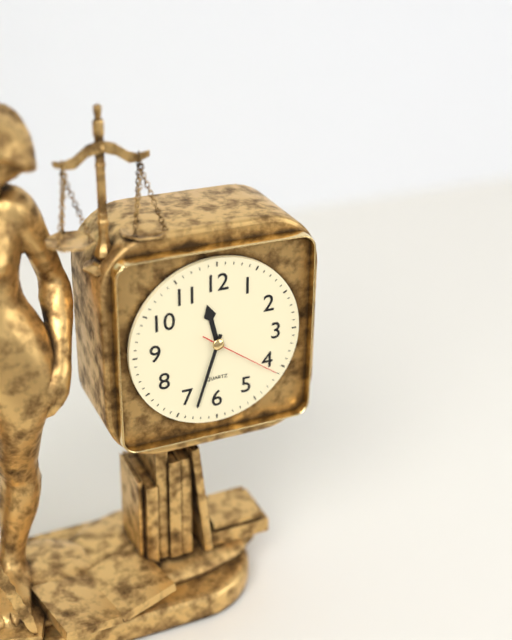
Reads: 11 h 33 min 21 s
